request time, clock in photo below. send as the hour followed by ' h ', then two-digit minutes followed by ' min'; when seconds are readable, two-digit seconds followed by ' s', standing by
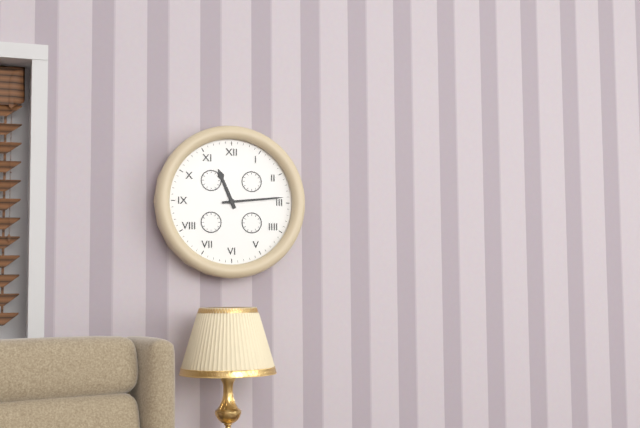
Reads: 11 h 14 min
